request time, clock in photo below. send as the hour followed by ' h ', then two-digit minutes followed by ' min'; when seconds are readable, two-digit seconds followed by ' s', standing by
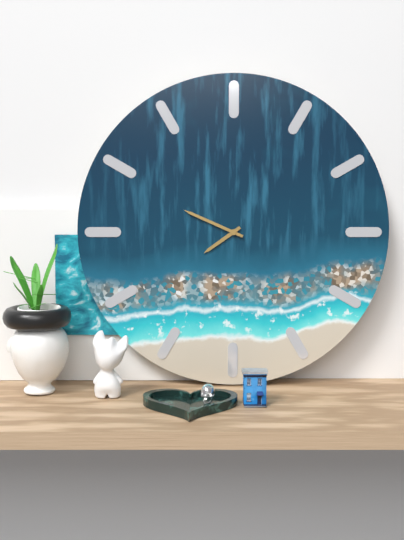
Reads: 7 h 49 min
